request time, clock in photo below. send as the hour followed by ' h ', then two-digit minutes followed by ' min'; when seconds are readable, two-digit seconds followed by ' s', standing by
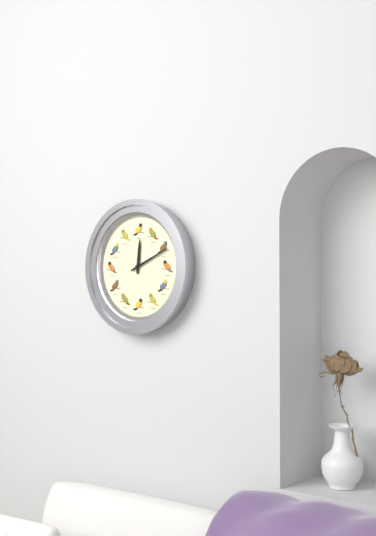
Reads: 12 h 11 min
